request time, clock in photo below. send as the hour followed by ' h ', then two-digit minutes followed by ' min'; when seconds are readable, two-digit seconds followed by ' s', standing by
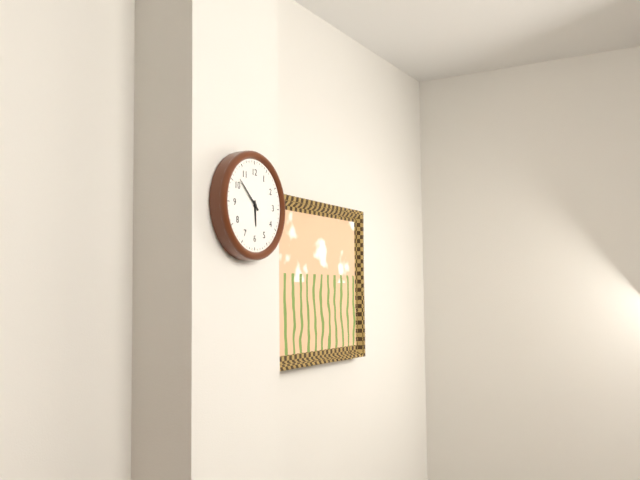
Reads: 5 h 52 min
